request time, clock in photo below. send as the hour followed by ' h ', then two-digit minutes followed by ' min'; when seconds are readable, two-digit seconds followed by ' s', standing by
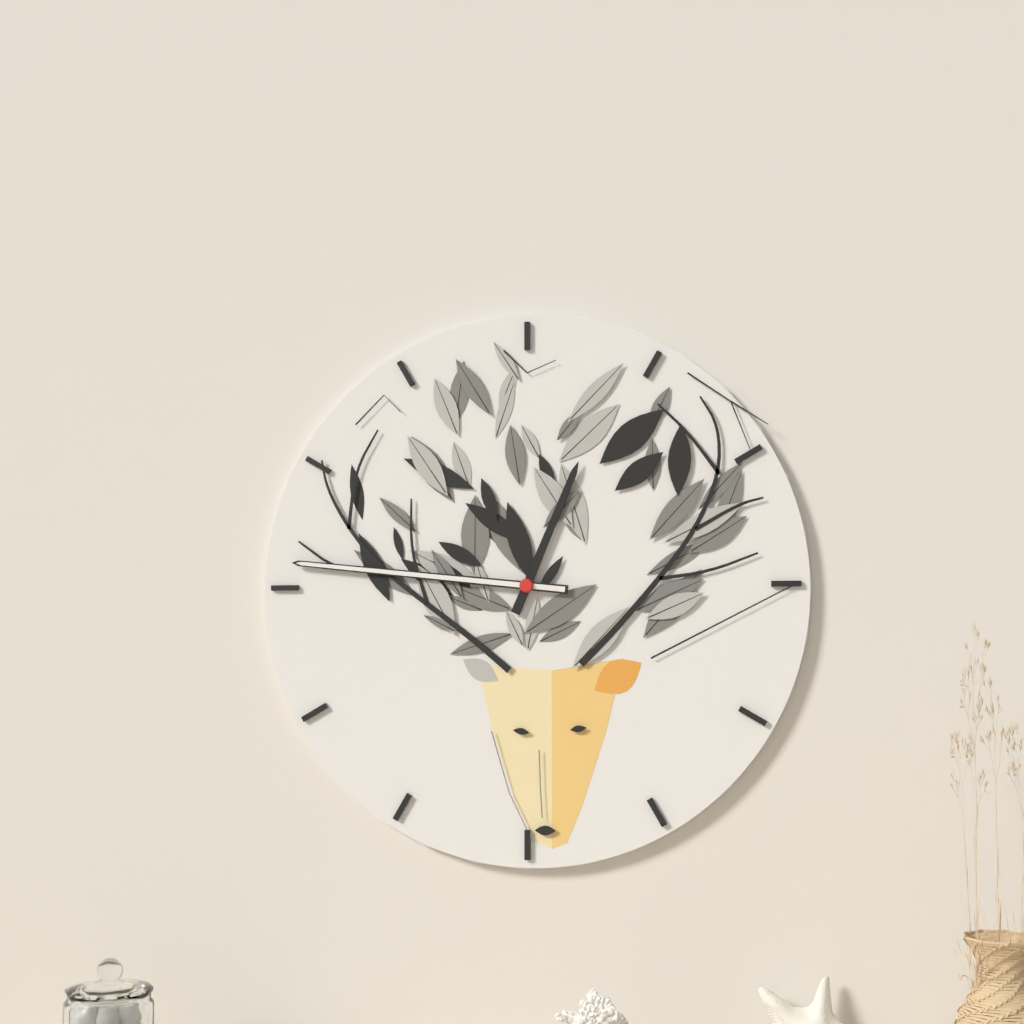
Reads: 12 h 46 min
